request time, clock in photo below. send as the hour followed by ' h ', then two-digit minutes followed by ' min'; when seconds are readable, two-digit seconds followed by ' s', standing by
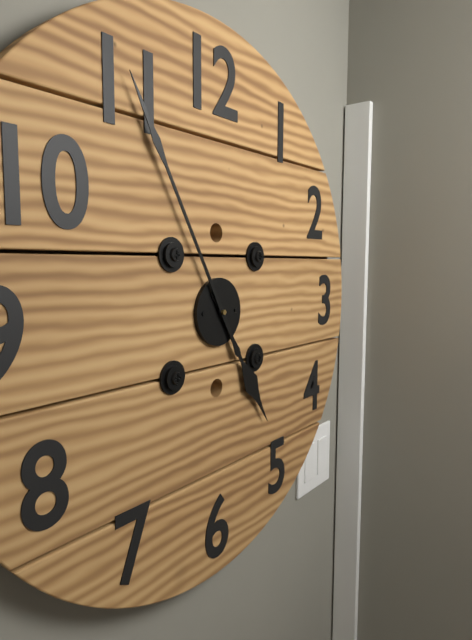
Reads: 4 h 55 min
